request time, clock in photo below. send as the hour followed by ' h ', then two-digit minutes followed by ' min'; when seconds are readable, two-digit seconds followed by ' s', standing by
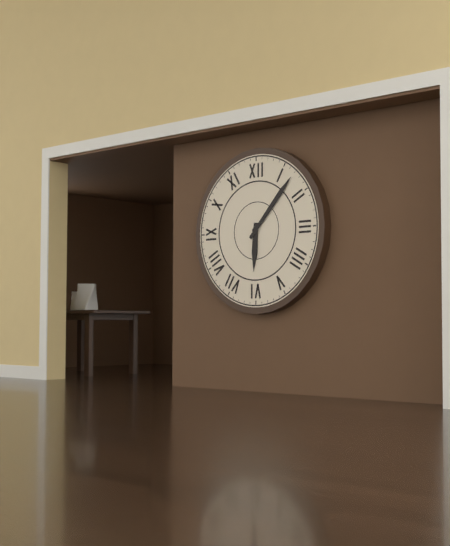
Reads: 6 h 07 min
